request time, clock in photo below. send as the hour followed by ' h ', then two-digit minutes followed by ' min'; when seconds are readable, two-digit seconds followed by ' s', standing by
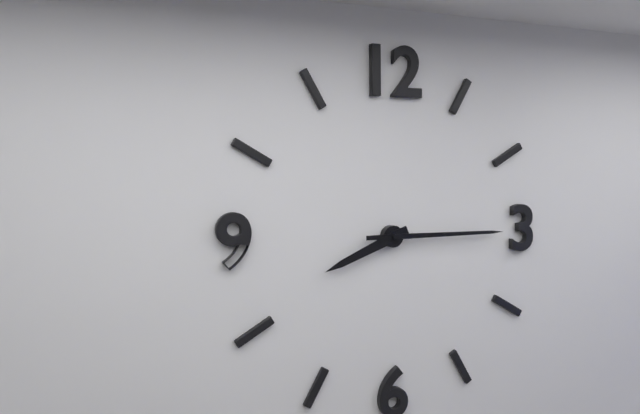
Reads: 8 h 15 min
